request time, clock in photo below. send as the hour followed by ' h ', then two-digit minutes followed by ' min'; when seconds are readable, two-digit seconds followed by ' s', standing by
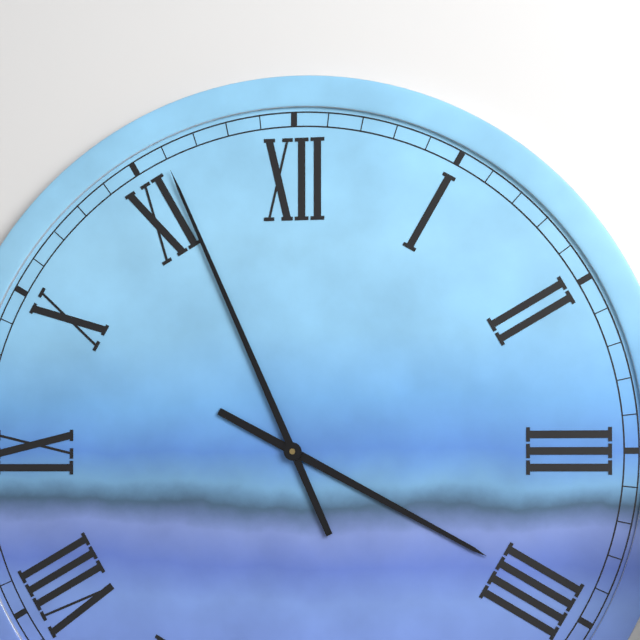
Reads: 3 h 56 min
